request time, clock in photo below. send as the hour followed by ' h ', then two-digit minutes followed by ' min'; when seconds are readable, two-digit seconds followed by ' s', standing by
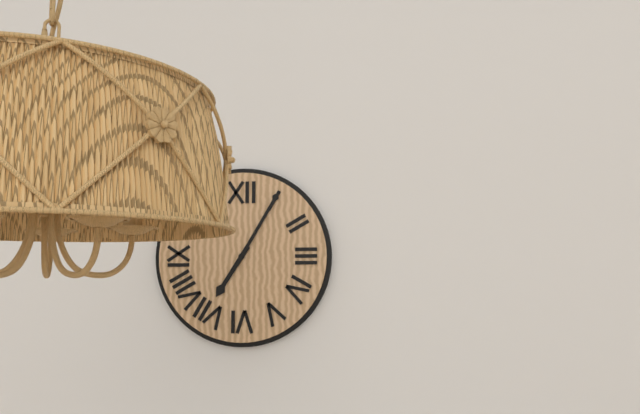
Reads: 7 h 05 min
